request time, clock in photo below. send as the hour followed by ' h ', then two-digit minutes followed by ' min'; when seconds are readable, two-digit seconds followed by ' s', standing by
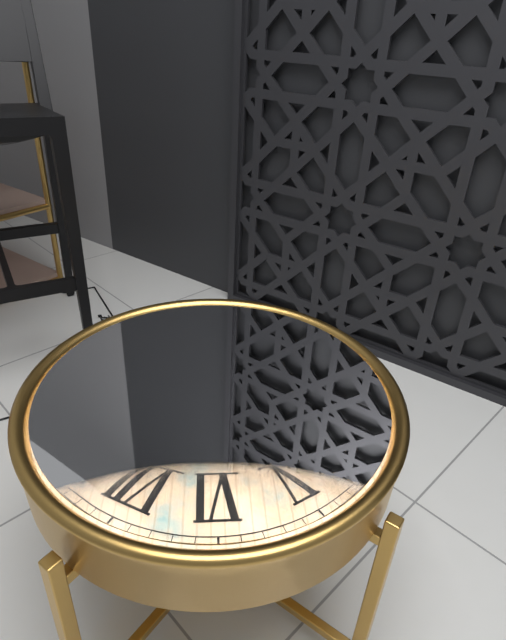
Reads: 7 h 22 min
